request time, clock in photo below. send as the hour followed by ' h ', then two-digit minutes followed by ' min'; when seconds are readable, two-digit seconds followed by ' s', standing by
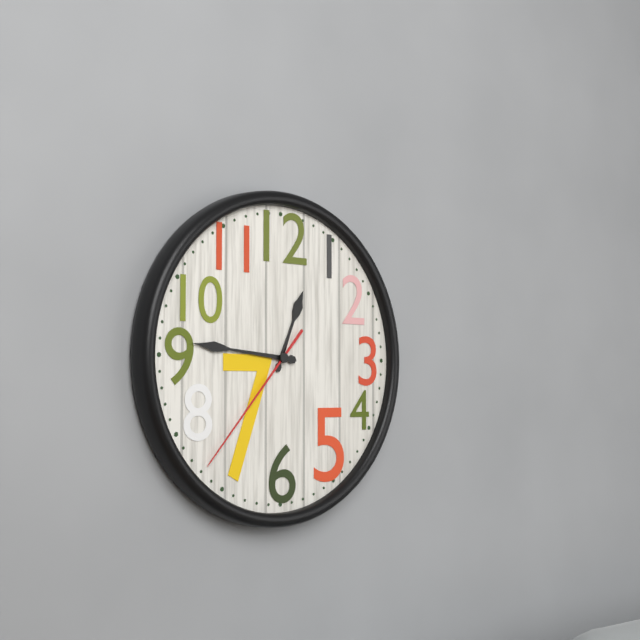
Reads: 12 h 46 min 37 s
